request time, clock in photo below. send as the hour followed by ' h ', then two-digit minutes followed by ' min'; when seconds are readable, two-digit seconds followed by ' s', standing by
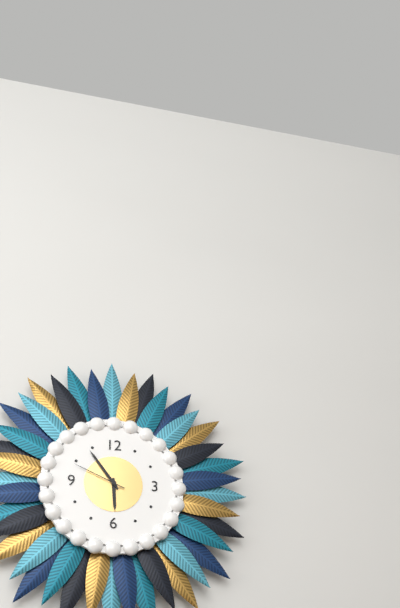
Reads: 5 h 54 min 49 s
